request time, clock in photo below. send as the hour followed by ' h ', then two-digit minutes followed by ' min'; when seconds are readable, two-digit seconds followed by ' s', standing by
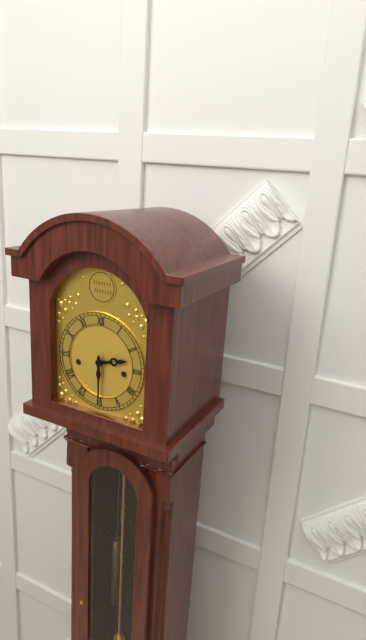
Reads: 2 h 30 min
